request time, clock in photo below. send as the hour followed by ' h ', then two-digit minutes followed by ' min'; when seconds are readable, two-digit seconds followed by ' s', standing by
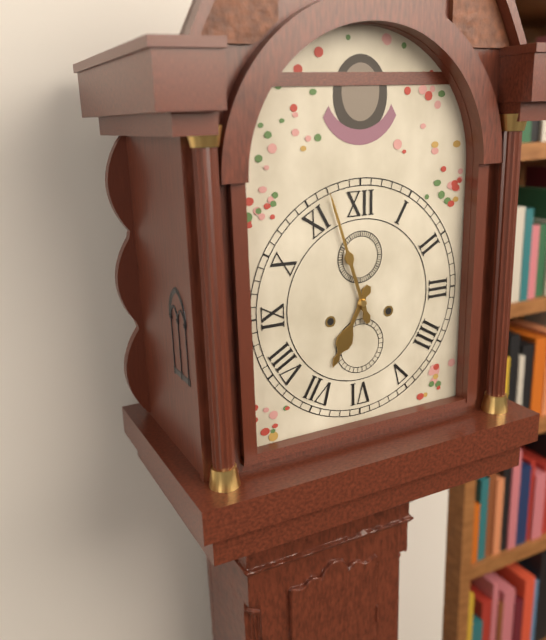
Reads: 6 h 57 min
